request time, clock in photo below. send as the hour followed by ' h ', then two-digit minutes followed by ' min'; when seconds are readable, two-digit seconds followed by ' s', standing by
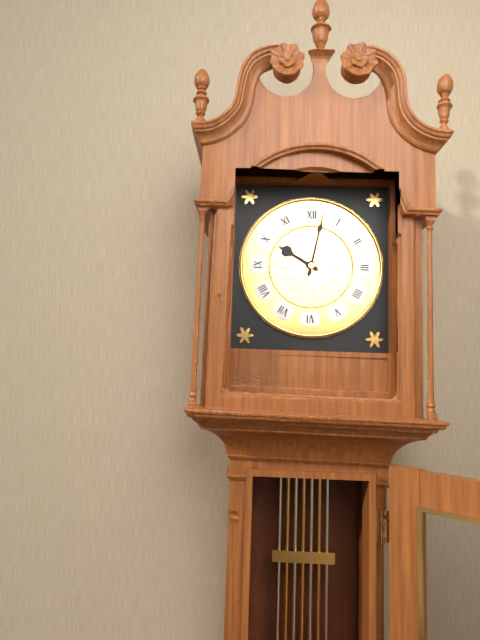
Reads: 10 h 02 min
